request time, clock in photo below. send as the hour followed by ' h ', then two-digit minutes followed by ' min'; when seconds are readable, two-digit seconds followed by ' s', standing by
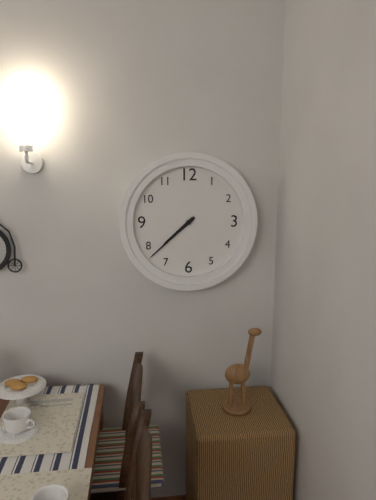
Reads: 7 h 38 min
